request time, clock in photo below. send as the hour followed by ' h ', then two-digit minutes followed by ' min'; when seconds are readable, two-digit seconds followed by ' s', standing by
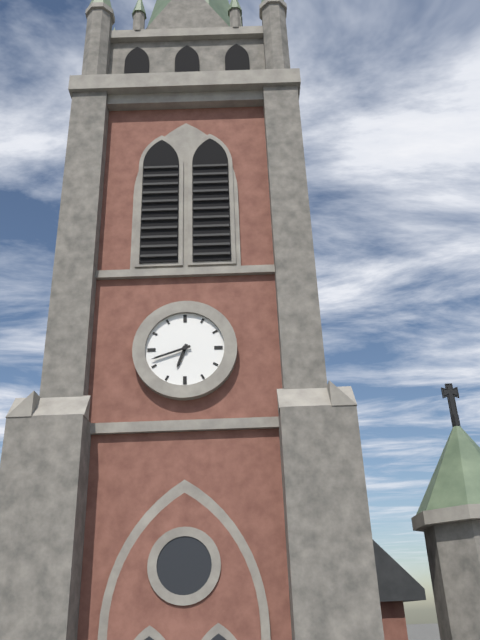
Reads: 6 h 42 min
